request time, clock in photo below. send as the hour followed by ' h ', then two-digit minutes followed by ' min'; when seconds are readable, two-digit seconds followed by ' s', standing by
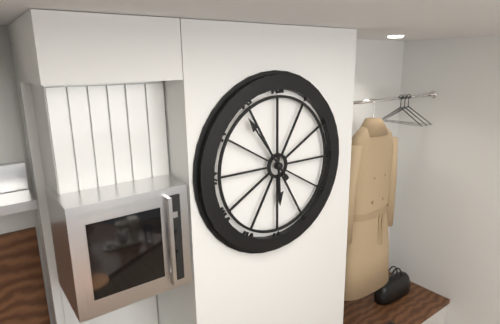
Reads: 5 h 54 min
